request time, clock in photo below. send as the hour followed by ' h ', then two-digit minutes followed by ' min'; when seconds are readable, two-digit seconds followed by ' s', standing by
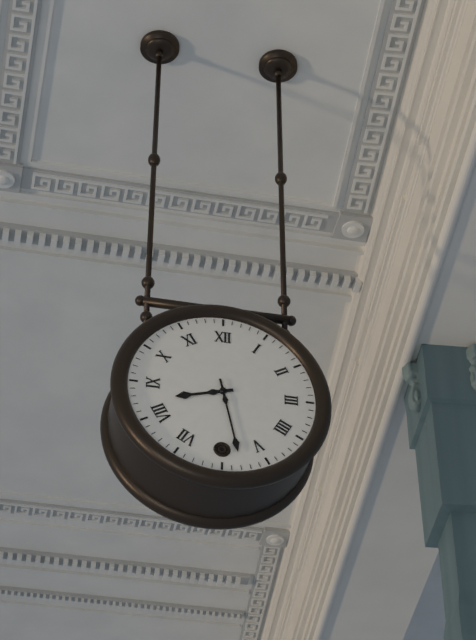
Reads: 8 h 28 min
